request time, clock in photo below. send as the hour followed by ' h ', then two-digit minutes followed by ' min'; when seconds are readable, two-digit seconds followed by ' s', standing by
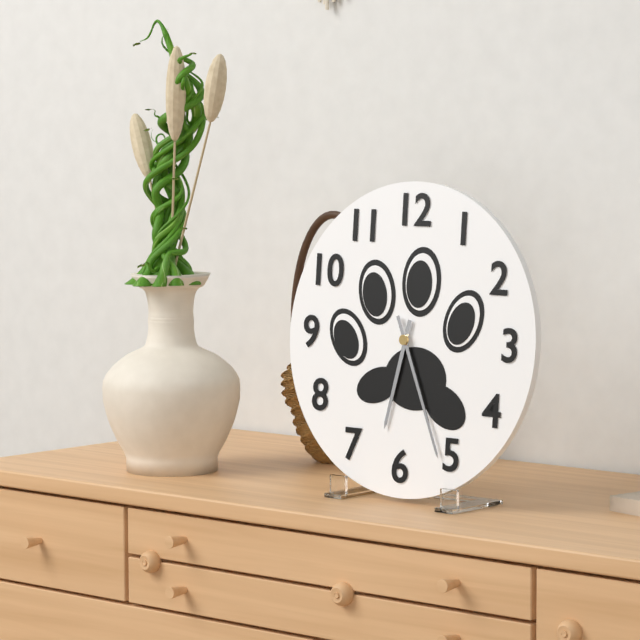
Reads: 6 h 26 min
